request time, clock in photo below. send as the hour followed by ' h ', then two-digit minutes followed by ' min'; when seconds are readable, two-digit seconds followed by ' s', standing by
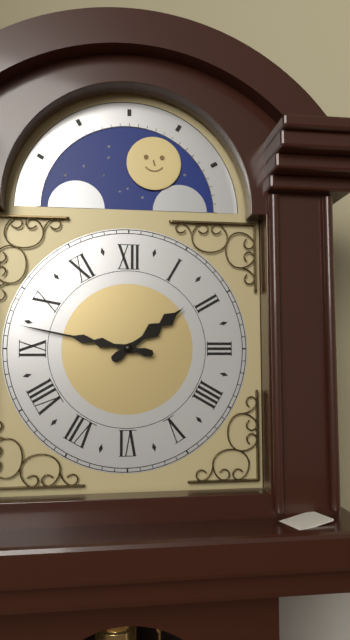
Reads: 1 h 47 min
